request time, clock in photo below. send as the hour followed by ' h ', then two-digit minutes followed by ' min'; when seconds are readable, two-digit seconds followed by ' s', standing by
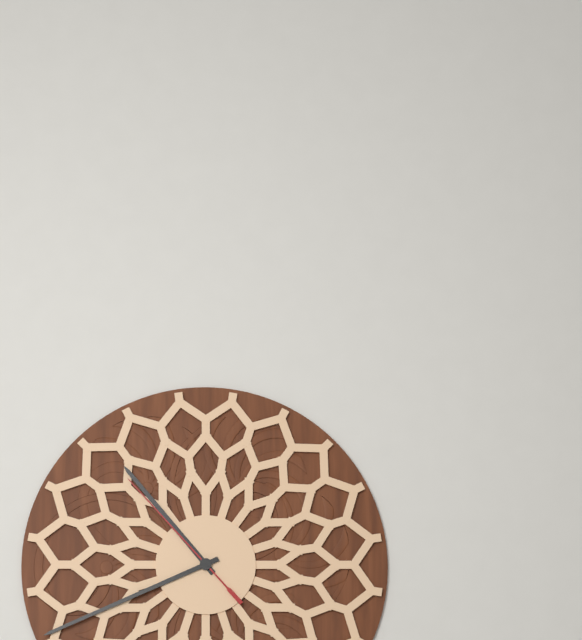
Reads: 10 h 41 min 53 s
